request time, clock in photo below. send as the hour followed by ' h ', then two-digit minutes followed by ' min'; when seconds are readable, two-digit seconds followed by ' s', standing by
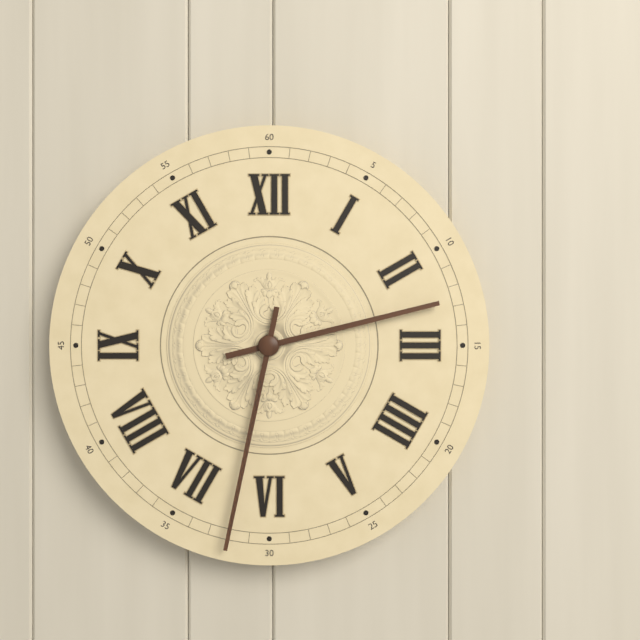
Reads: 2 h 32 min
